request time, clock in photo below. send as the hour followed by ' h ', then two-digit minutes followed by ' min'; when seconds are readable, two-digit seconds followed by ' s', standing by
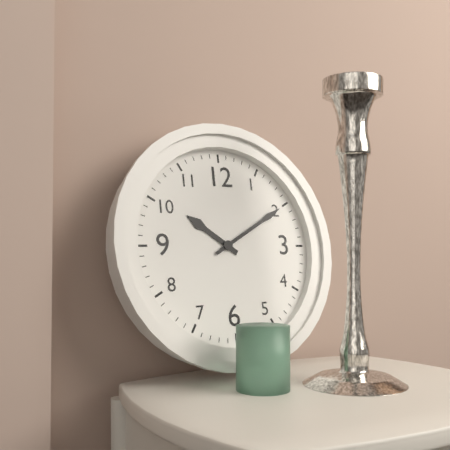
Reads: 10 h 10 min
